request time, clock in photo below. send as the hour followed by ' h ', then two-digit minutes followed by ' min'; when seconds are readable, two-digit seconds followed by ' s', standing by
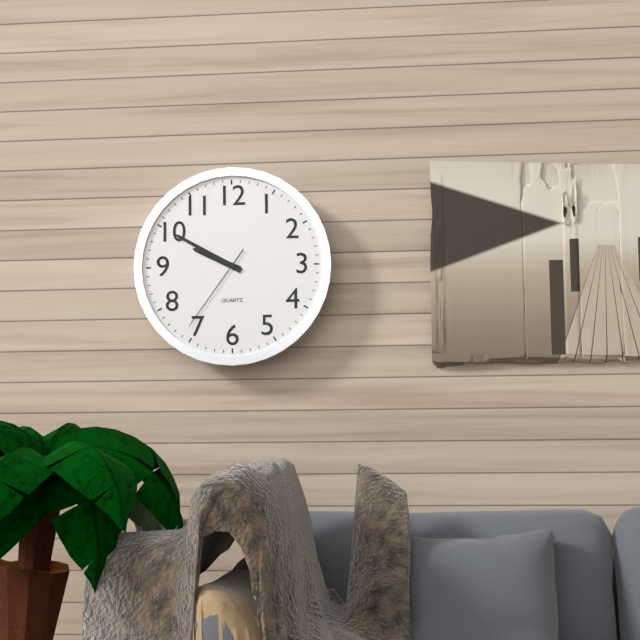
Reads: 9 h 50 min 36 s
